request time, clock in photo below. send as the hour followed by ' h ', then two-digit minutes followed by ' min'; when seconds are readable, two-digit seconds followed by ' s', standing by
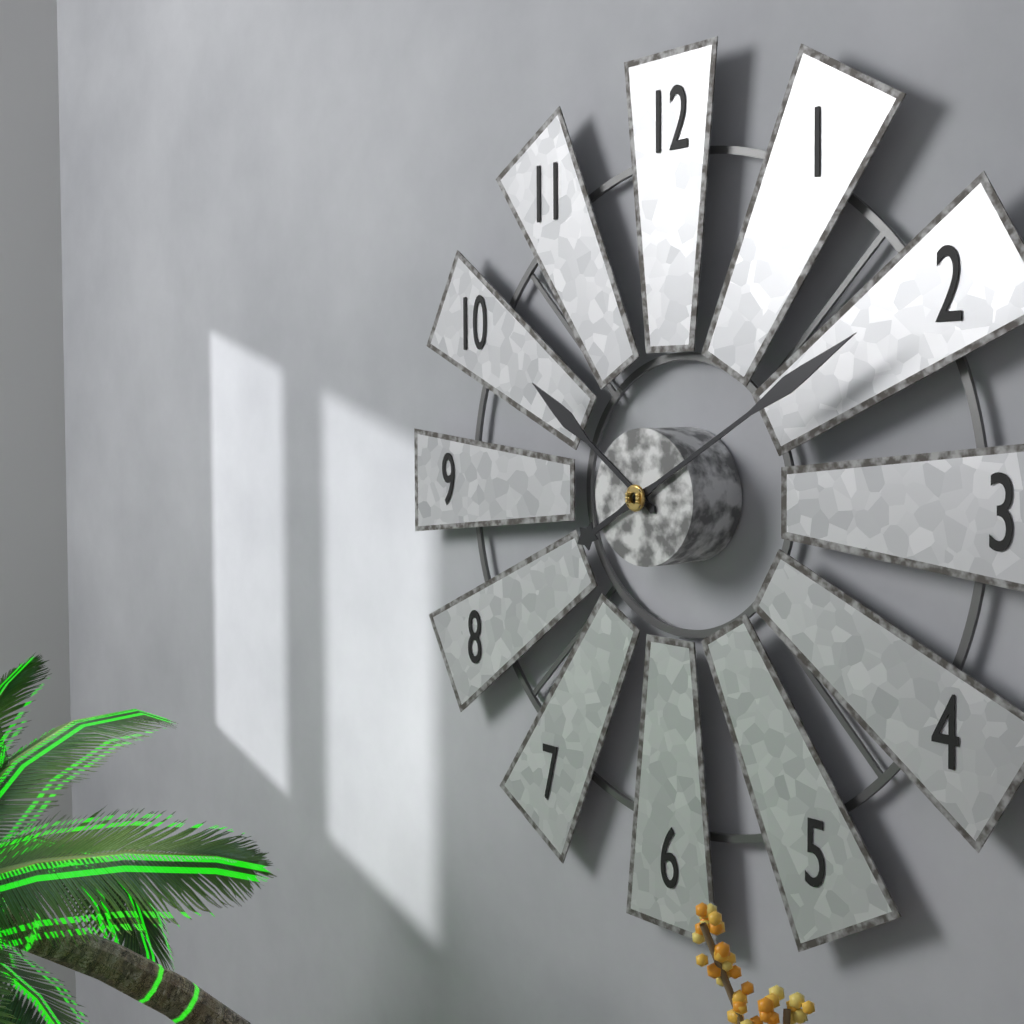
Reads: 10 h 10 min
